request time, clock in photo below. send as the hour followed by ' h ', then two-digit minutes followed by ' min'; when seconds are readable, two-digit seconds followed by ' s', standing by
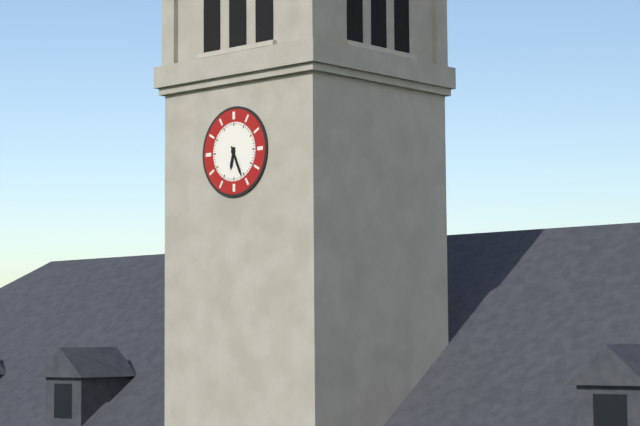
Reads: 6 h 26 min
